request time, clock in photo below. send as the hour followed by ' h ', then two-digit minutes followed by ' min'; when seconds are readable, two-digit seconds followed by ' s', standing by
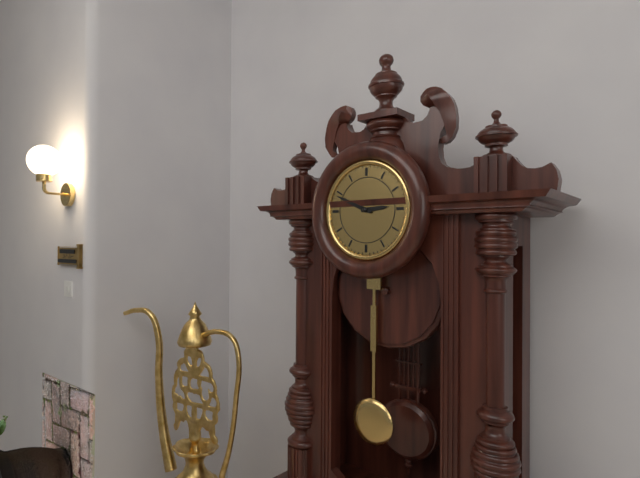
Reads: 2 h 49 min
